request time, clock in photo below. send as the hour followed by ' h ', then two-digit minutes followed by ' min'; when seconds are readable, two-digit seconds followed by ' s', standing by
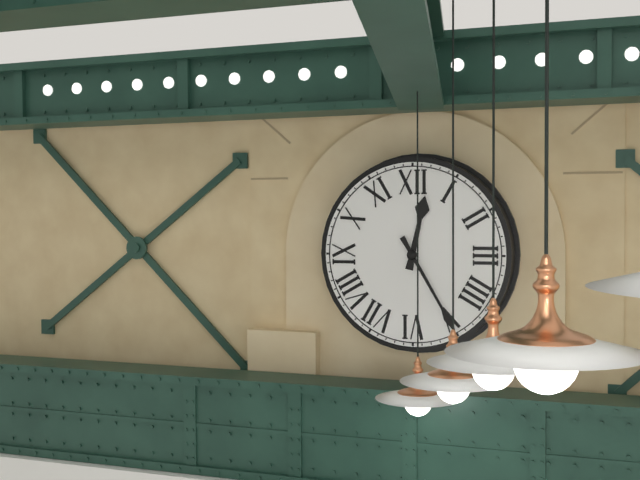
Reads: 12 h 25 min
